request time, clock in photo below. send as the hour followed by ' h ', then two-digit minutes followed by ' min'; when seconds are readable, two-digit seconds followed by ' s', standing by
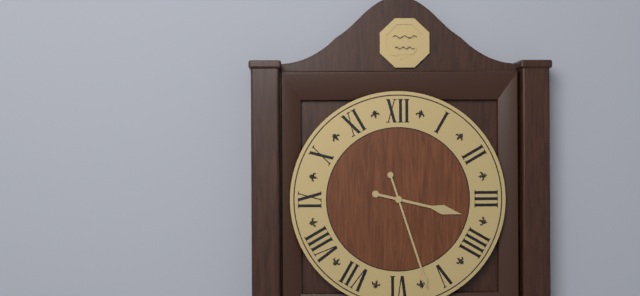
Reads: 3 h 27 min
